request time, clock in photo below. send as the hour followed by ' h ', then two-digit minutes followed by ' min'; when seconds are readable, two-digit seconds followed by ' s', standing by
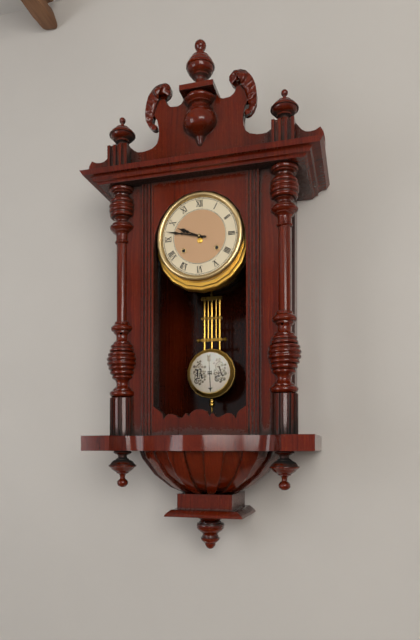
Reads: 9 h 47 min
